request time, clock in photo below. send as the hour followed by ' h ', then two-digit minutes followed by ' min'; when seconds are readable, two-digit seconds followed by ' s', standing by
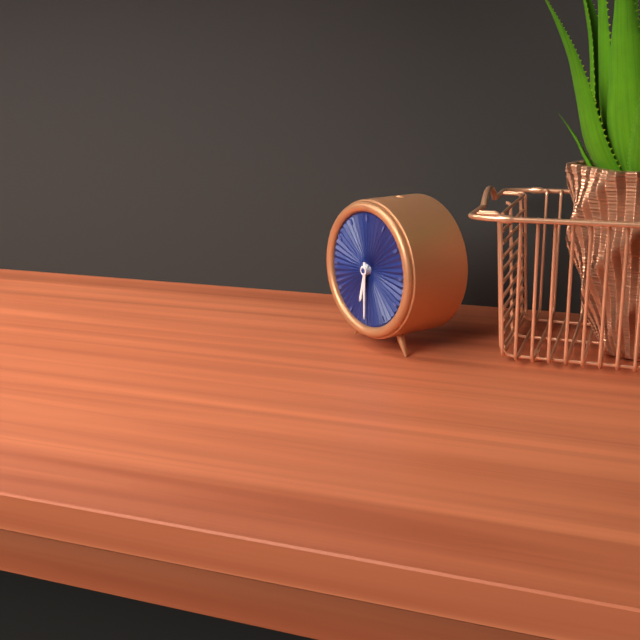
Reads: 6 h 30 min
